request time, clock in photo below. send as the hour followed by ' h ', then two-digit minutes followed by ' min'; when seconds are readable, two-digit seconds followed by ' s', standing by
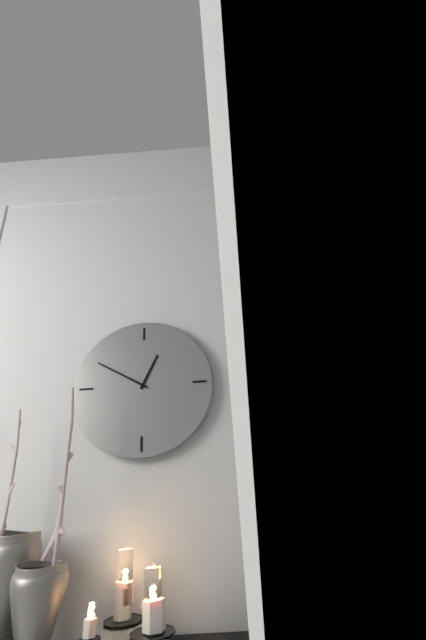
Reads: 12 h 50 min
